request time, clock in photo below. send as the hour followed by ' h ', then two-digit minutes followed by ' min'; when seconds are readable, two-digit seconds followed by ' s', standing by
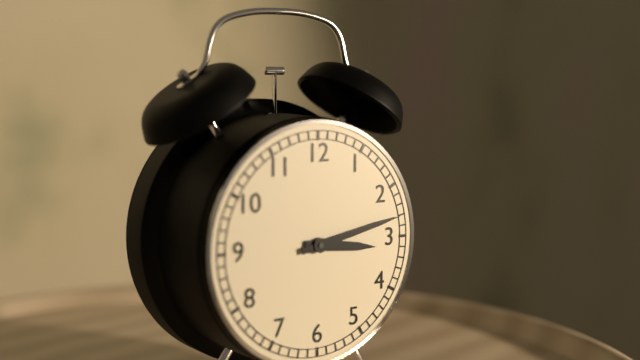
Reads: 3 h 13 min
